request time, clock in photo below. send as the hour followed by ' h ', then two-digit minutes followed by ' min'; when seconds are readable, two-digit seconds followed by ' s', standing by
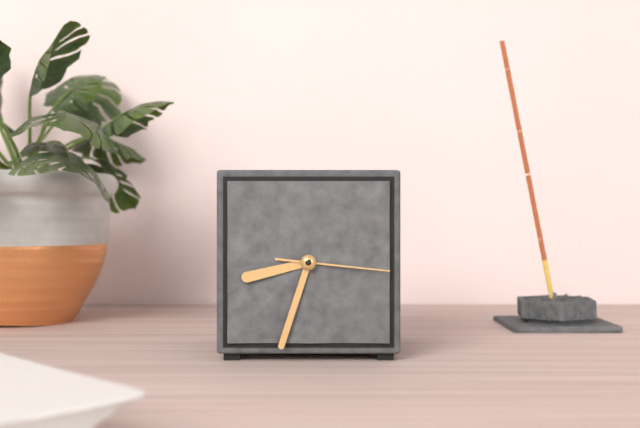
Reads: 8 h 33 min 16 s
